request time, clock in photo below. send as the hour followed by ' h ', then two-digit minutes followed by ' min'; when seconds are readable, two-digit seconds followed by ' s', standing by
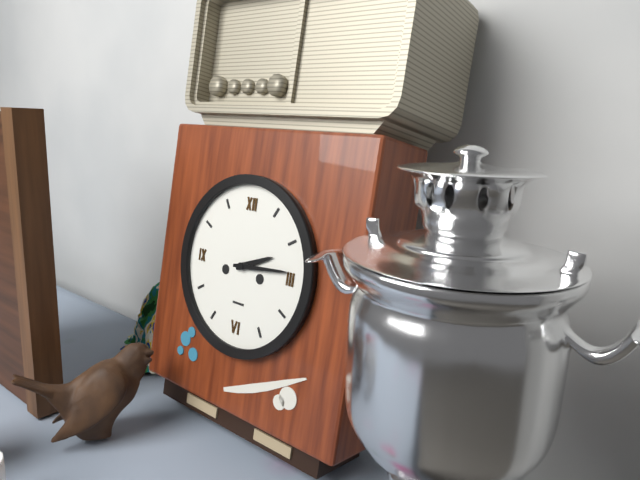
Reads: 2 h 14 min
